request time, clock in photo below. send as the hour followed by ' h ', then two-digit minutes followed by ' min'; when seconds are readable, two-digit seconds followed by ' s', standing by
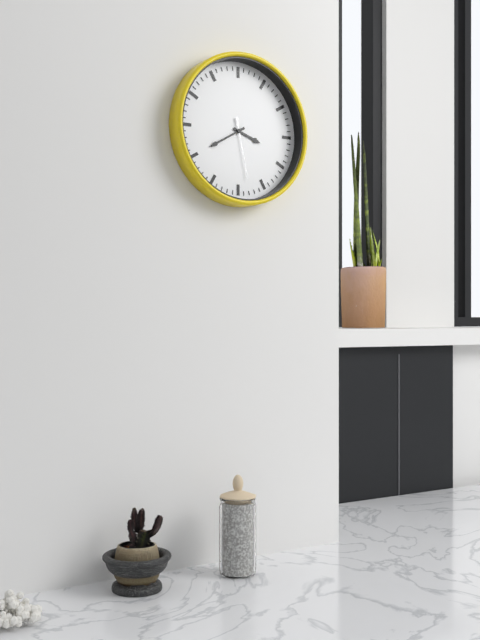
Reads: 3 h 40 min 28 s
